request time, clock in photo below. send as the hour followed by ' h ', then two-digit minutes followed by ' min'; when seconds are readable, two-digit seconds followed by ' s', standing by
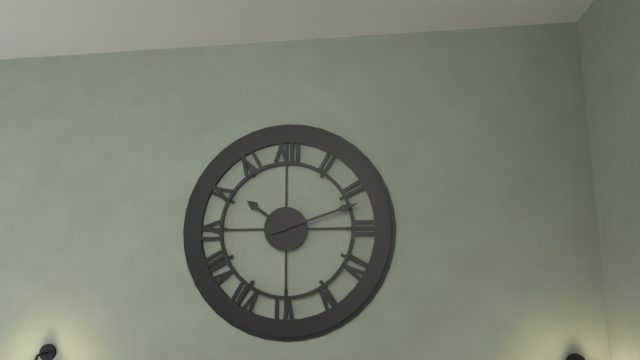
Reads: 10 h 12 min
